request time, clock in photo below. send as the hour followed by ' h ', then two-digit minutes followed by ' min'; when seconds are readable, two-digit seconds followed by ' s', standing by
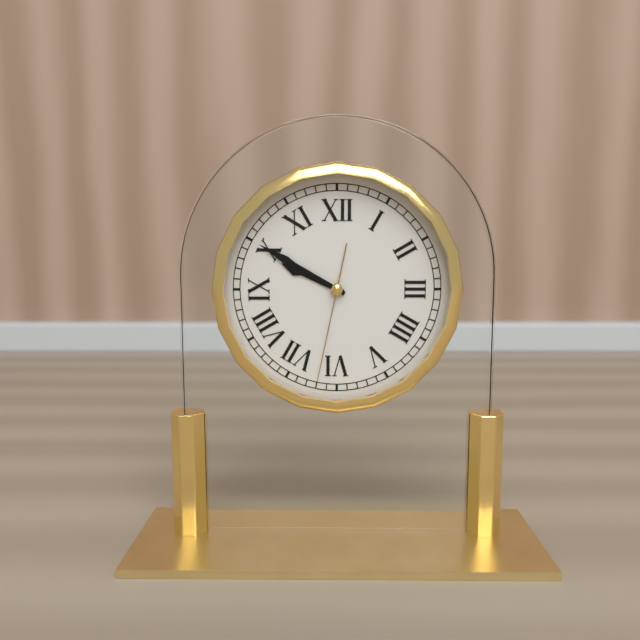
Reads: 9 h 50 min 32 s
